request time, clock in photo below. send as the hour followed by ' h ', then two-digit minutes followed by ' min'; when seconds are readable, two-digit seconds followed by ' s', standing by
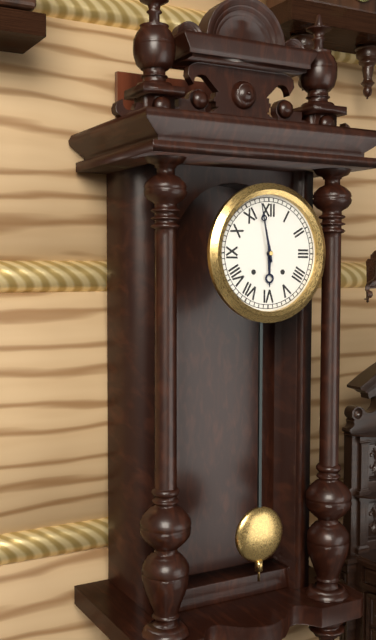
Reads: 5 h 58 min
